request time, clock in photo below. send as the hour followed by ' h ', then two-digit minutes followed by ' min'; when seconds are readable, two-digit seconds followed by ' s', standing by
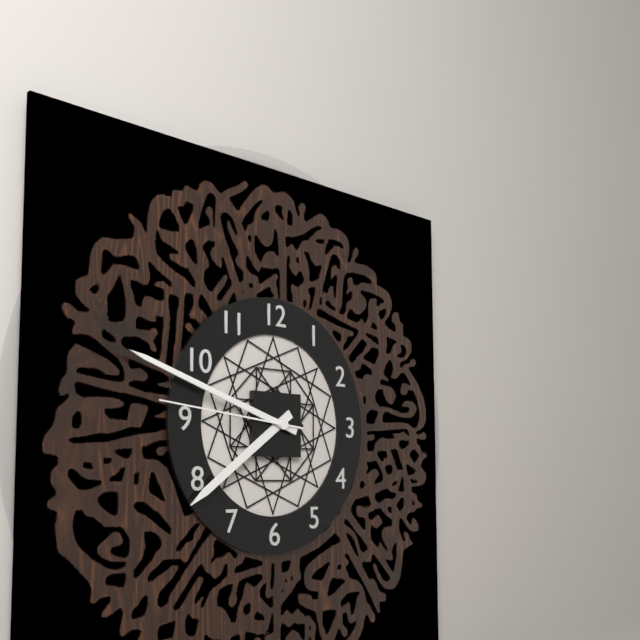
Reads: 7 h 48 min 46 s
